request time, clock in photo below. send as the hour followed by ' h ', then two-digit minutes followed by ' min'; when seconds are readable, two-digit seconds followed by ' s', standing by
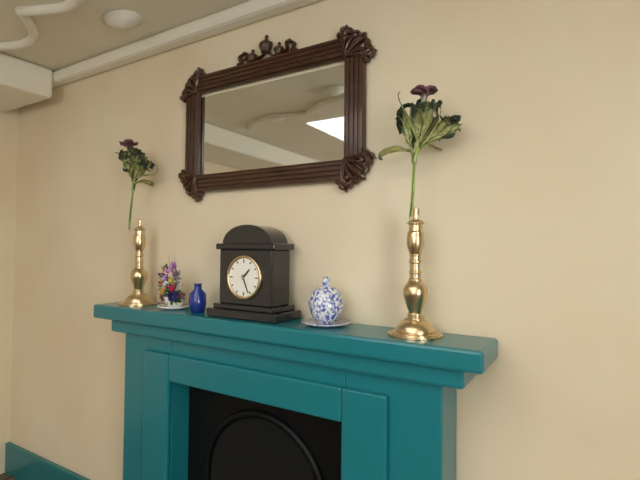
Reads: 1 h 26 min
